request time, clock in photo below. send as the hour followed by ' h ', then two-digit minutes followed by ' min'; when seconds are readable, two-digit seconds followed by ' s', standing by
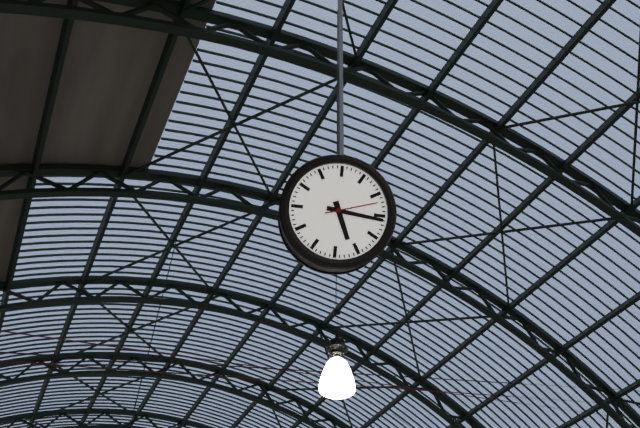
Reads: 5 h 16 min
